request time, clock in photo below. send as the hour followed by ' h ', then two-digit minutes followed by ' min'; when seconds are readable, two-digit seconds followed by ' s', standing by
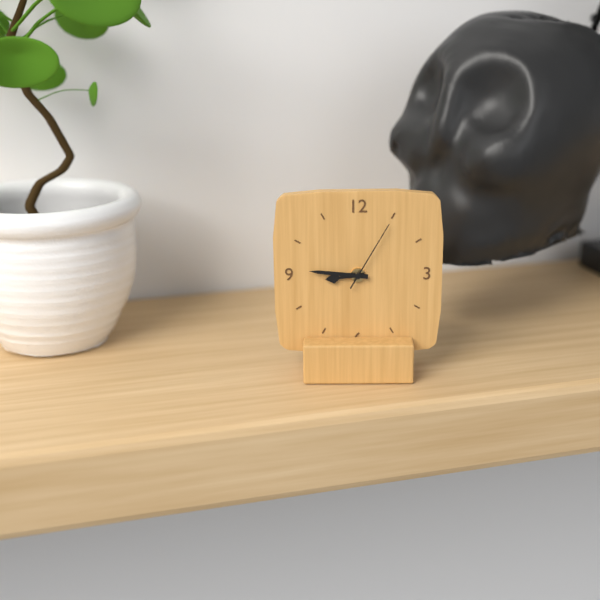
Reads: 8 h 46 min 05 s
